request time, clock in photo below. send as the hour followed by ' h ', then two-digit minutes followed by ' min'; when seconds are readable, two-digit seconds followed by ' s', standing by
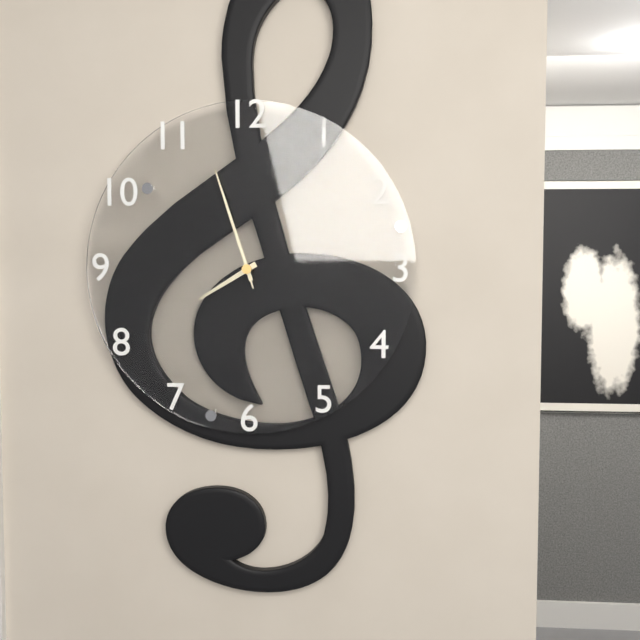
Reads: 7 h 57 min 57 s
